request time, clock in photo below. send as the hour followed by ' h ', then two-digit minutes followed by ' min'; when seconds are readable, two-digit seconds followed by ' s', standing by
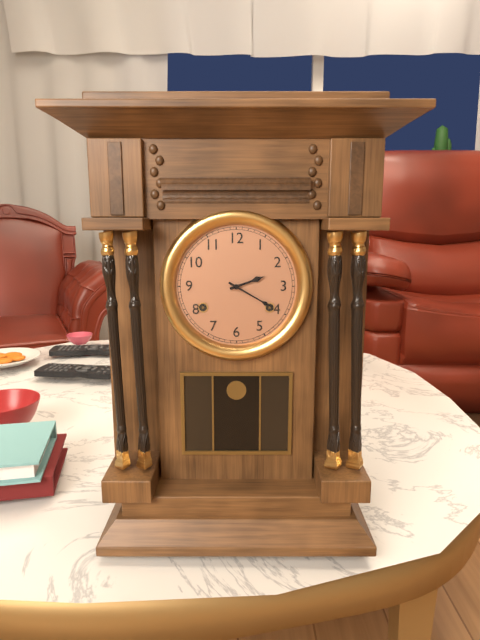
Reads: 2 h 20 min
